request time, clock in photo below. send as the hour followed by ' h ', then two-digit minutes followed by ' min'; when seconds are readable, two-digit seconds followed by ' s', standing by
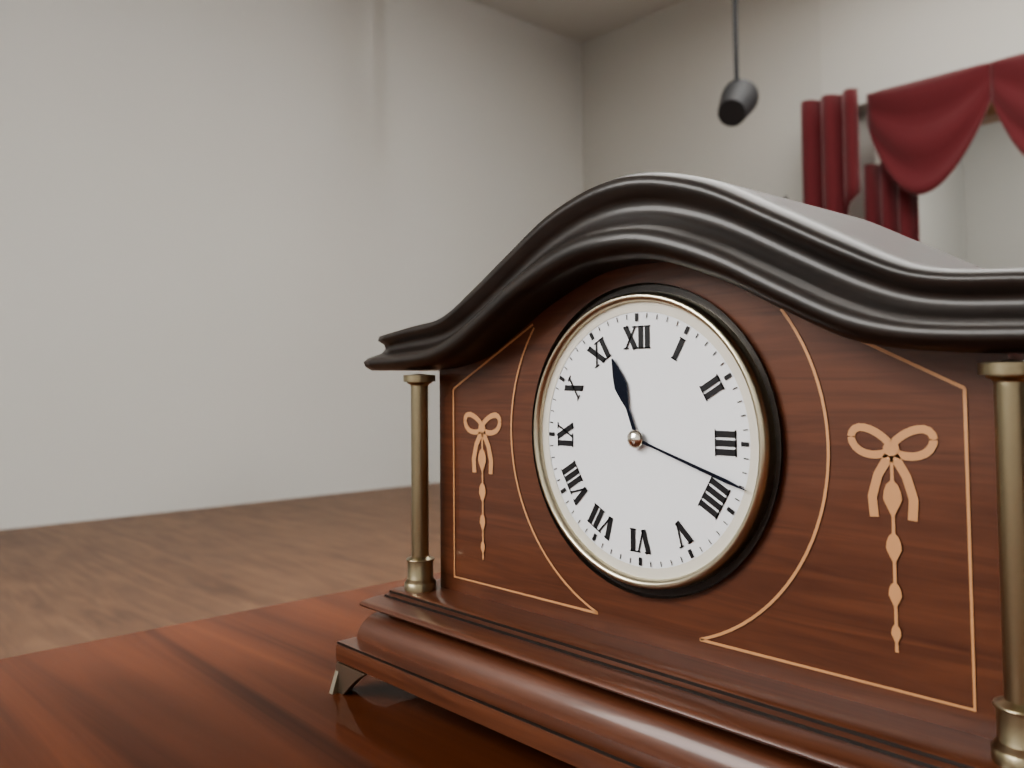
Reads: 11 h 18 min
